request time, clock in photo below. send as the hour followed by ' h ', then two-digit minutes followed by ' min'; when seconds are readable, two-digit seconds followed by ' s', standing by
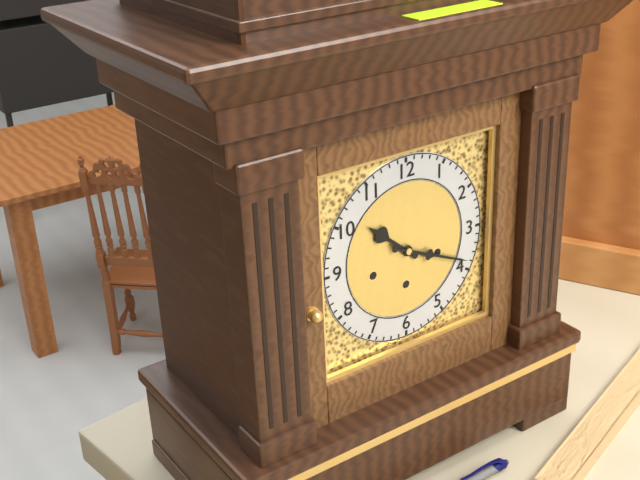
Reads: 10 h 19 min
